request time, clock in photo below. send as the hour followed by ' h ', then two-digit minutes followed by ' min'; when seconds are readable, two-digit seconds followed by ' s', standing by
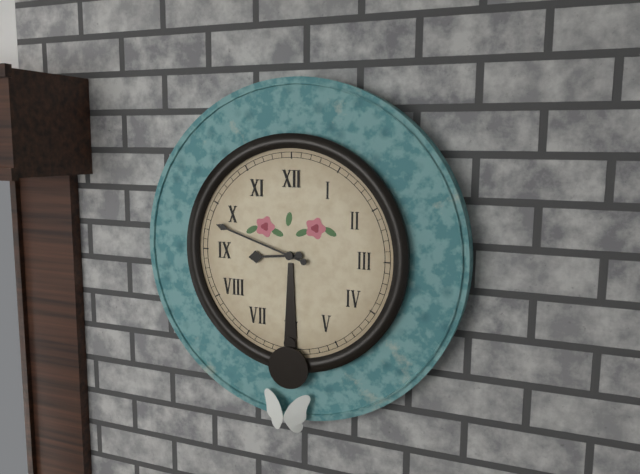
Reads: 8 h 48 min
